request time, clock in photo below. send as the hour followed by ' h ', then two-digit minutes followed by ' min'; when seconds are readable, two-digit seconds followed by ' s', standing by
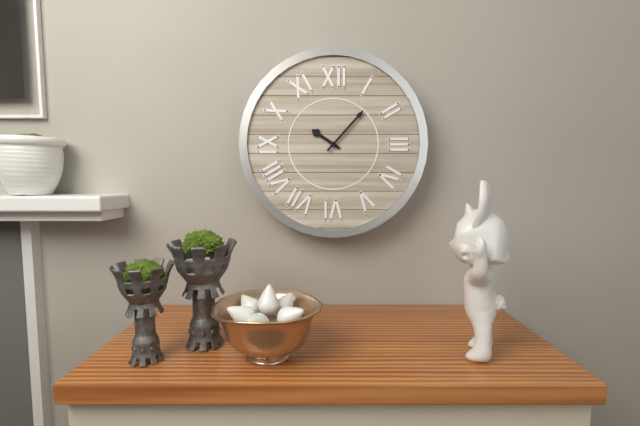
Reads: 10 h 07 min
